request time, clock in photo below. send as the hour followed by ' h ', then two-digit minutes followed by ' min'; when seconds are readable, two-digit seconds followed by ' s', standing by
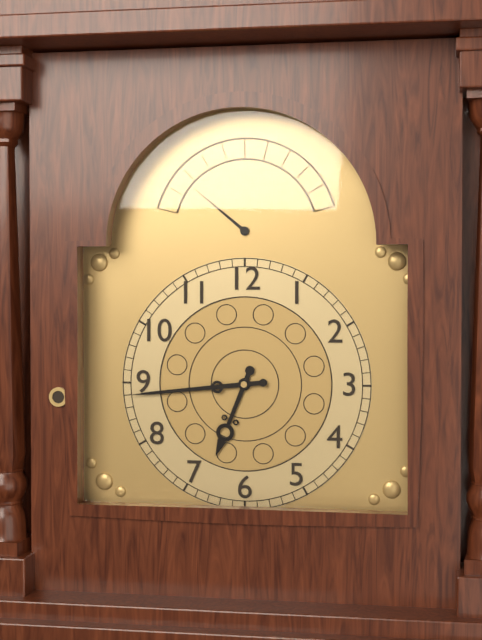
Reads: 6 h 44 min
